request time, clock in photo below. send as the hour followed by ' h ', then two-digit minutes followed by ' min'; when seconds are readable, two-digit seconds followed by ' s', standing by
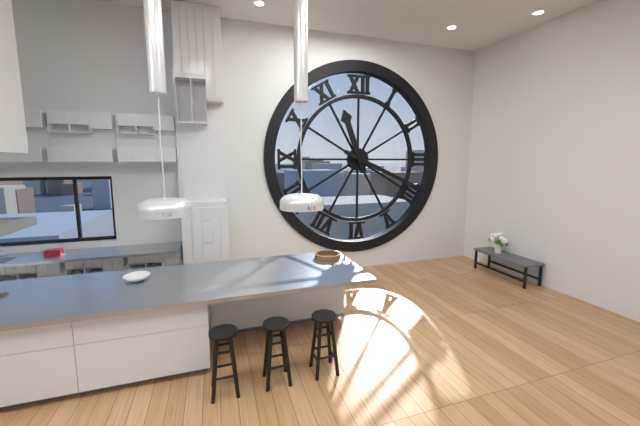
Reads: 11 h 19 min
